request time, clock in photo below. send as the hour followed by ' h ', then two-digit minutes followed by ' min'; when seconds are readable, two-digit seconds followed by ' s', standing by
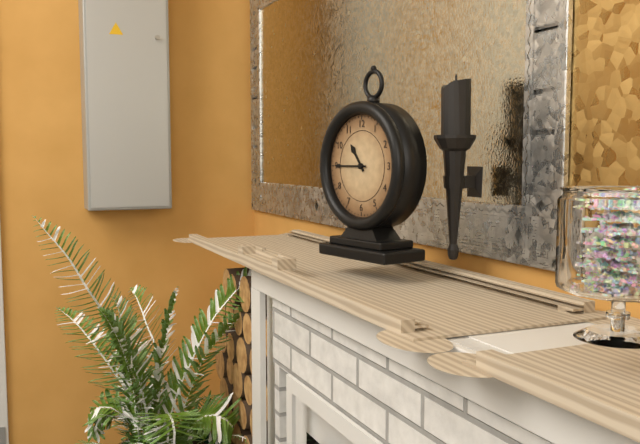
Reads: 10 h 45 min
